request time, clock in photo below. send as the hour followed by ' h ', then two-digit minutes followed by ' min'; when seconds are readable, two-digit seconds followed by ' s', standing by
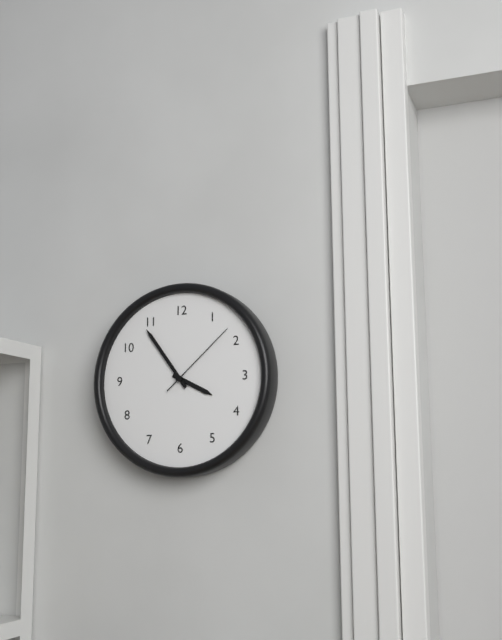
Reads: 3 h 54 min 08 s
